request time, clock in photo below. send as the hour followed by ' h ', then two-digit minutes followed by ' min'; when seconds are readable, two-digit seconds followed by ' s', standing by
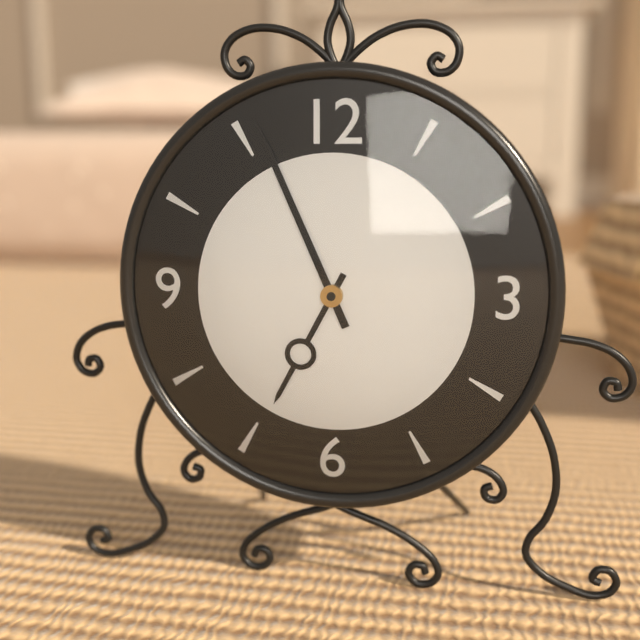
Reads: 6 h 56 min
